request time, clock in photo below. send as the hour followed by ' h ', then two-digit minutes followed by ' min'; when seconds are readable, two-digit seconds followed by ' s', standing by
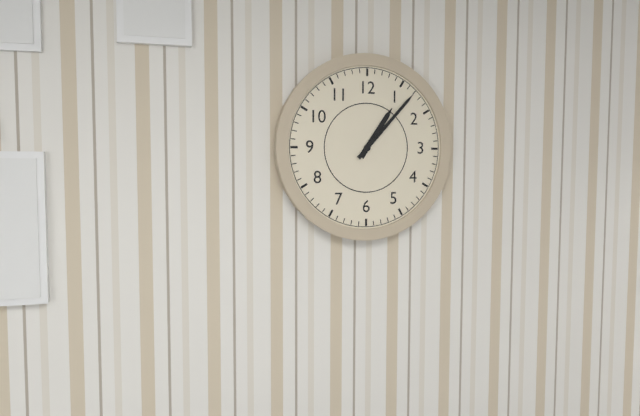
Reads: 1 h 07 min
